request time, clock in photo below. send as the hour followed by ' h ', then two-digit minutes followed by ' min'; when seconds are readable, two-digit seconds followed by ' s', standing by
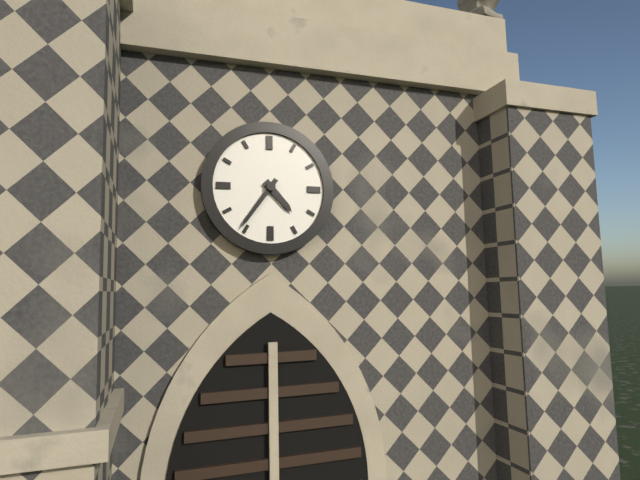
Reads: 4 h 36 min
